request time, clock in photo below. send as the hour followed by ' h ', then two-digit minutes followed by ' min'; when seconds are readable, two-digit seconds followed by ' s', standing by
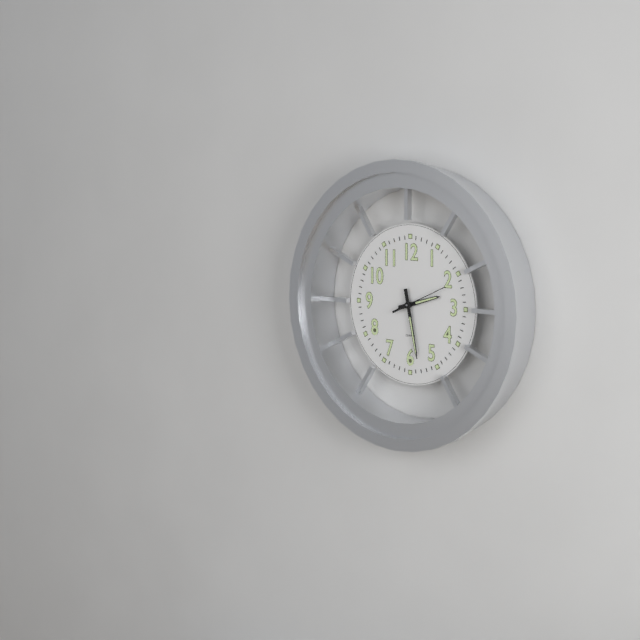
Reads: 2 h 28 min
